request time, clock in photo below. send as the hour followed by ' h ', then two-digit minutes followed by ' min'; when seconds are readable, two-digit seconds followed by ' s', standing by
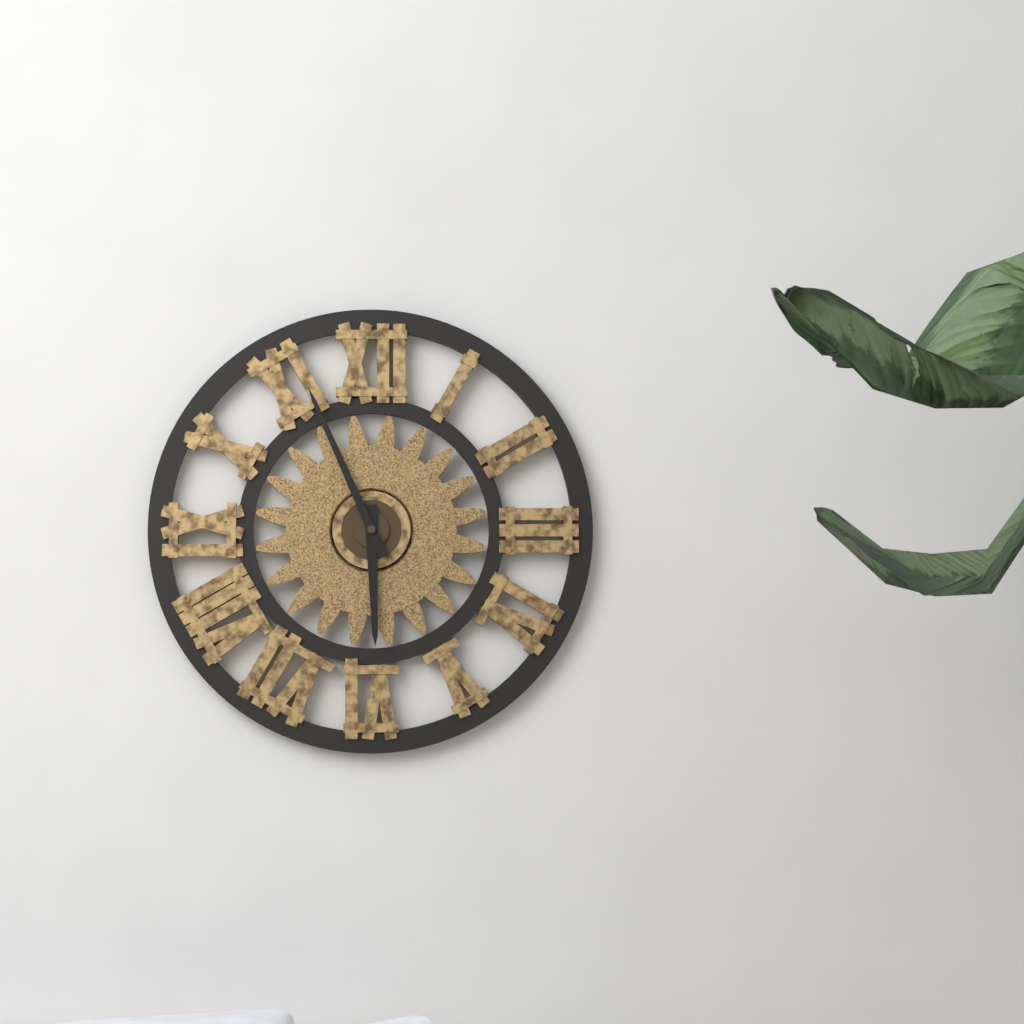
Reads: 5 h 56 min
